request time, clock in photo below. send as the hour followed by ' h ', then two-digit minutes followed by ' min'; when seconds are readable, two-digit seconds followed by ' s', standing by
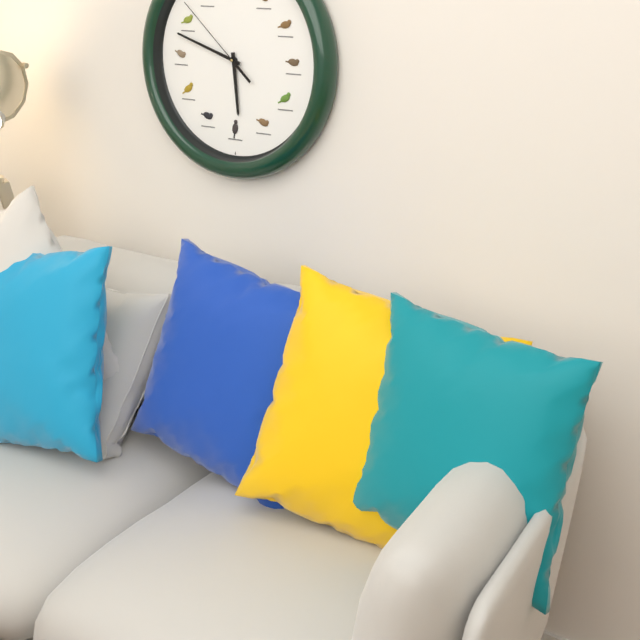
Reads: 5 h 48 min 52 s
